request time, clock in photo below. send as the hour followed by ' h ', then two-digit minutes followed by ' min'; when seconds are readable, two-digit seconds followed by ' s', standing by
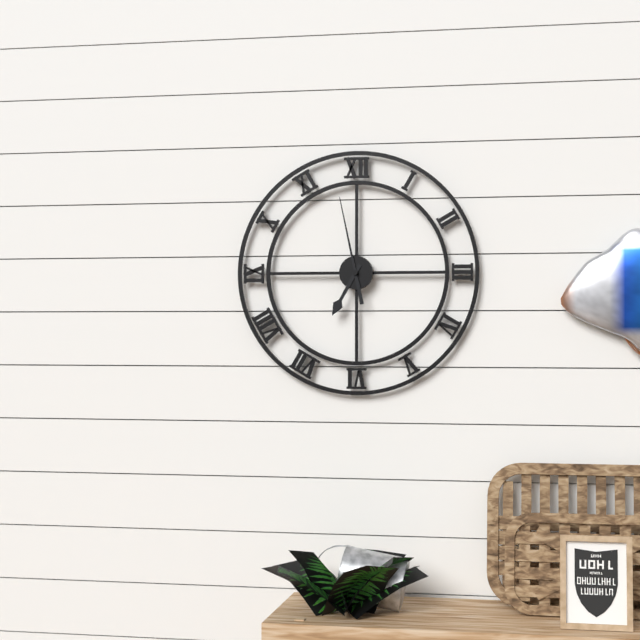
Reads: 6 h 58 min
